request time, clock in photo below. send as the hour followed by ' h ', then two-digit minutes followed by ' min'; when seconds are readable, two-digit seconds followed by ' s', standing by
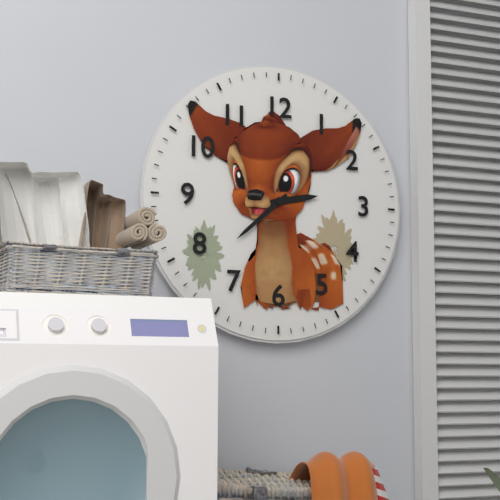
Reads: 2 h 38 min
